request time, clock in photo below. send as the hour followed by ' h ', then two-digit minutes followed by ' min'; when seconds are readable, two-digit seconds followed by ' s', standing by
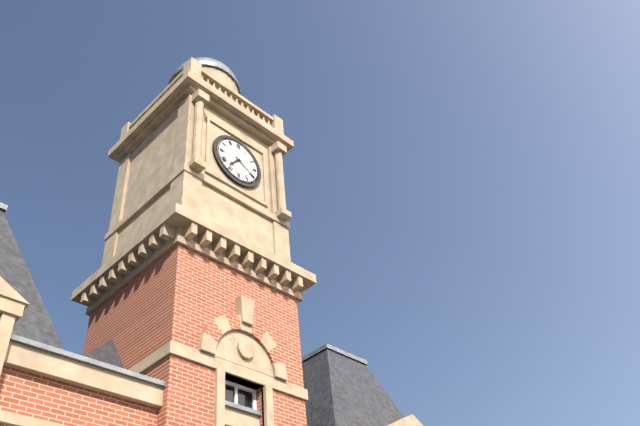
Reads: 7 h 20 min
